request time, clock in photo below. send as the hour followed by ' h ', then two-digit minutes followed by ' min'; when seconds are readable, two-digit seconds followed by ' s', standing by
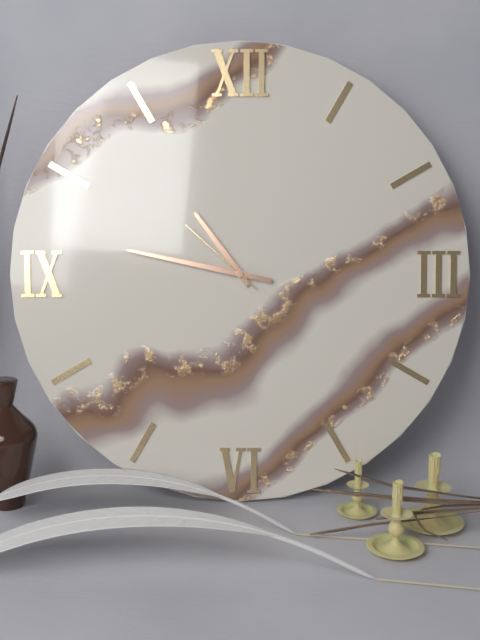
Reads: 10 h 47 min 52 s
